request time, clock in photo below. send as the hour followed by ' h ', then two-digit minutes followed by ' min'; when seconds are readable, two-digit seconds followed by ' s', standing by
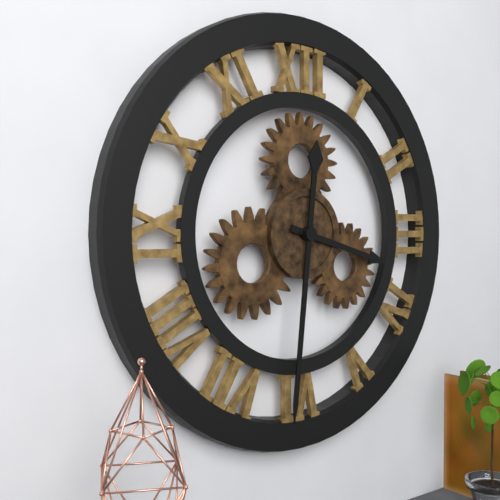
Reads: 3 h 31 min
